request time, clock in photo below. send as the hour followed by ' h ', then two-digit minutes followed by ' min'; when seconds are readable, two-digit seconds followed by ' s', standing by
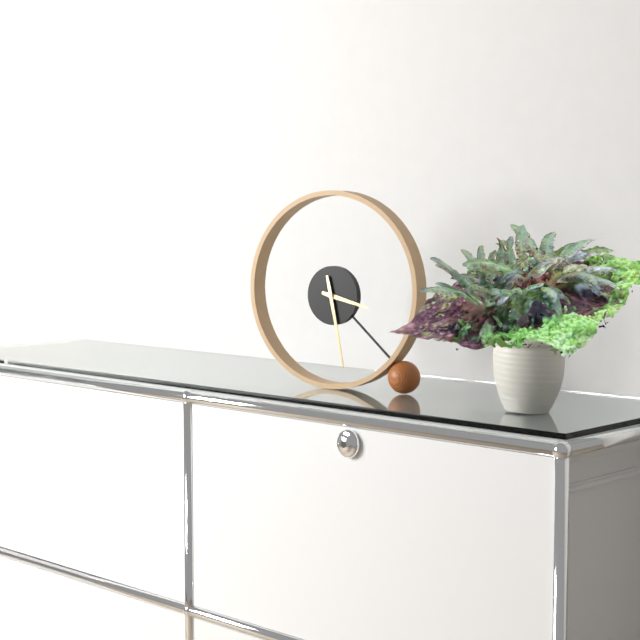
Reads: 3 h 28 min
